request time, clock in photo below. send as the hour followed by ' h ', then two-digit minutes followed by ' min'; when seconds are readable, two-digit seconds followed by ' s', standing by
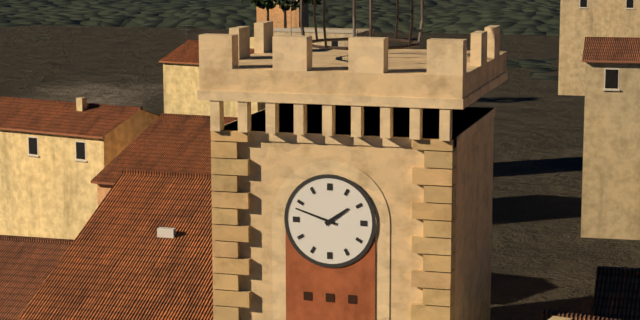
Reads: 1 h 48 min
